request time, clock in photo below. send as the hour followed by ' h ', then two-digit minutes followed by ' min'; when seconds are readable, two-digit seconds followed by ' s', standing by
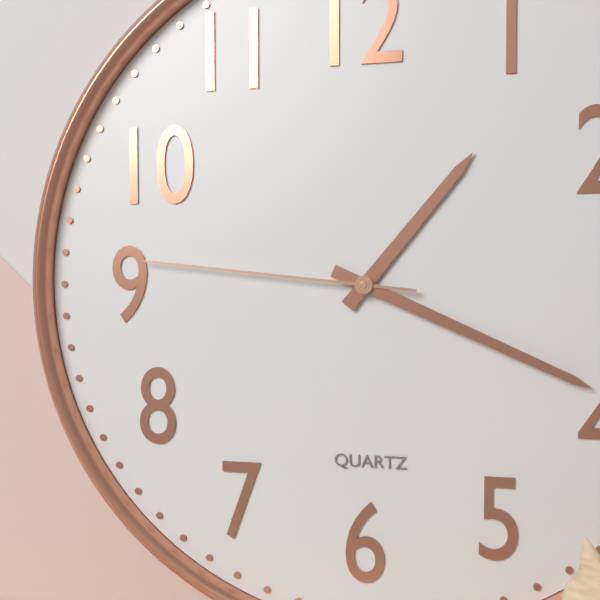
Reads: 1 h 19 min 46 s
